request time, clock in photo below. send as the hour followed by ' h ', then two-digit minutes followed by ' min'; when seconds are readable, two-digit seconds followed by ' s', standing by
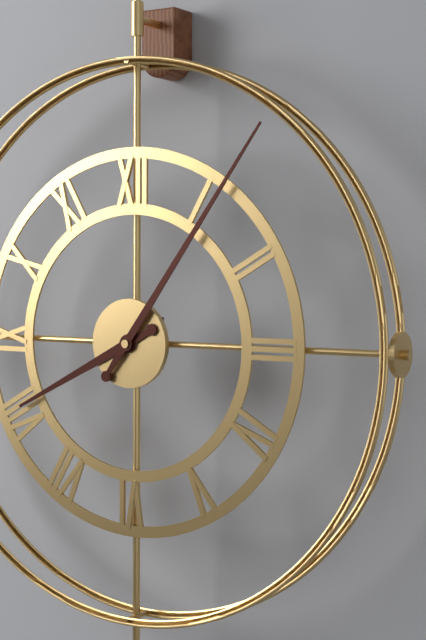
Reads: 8 h 06 min
